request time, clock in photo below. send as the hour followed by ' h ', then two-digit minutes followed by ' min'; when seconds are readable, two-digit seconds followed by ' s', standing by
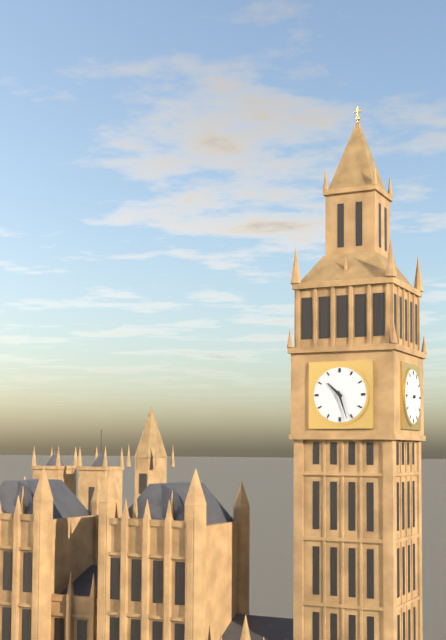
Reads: 10 h 27 min
